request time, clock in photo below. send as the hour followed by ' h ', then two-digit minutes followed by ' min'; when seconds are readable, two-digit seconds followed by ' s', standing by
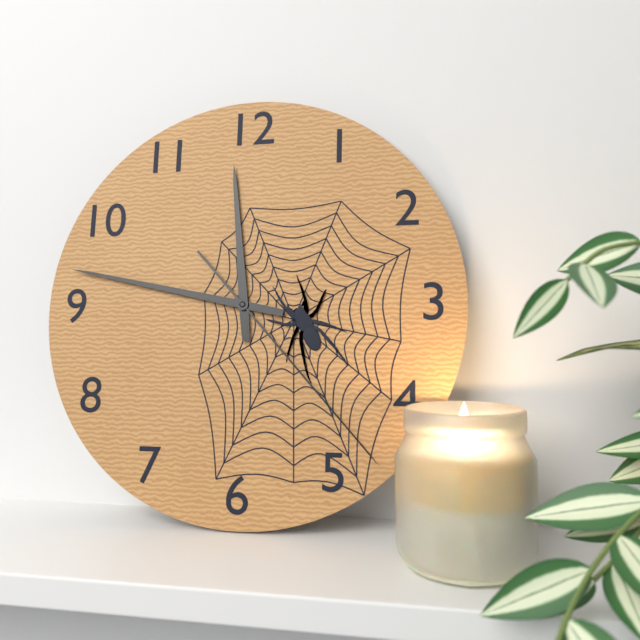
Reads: 11 h 47 min 23 s
